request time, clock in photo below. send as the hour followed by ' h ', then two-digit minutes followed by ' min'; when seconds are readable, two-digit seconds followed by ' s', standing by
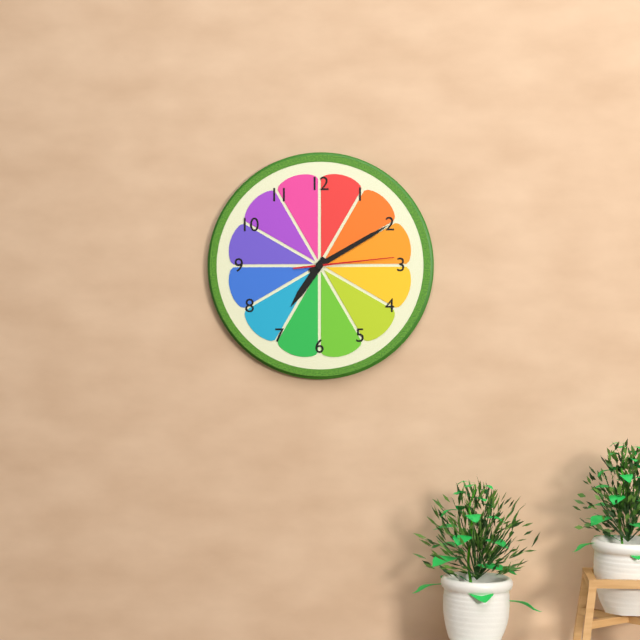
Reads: 7 h 10 min 14 s
